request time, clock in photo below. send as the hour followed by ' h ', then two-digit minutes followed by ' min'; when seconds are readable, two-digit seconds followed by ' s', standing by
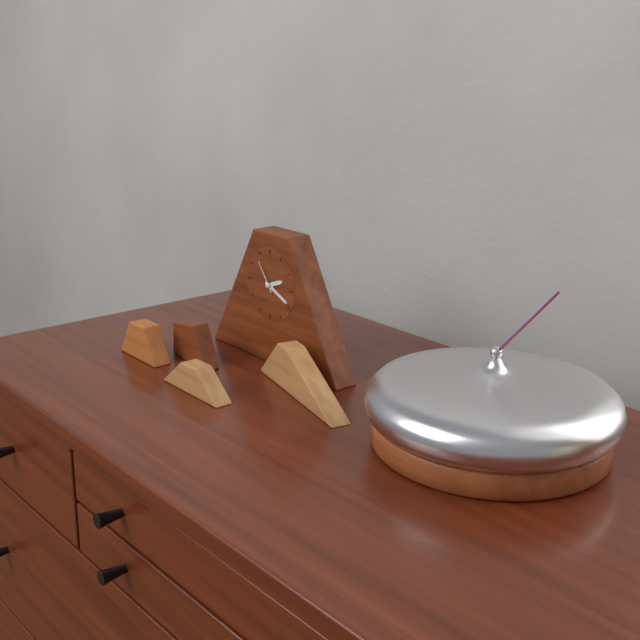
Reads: 2 h 19 min
